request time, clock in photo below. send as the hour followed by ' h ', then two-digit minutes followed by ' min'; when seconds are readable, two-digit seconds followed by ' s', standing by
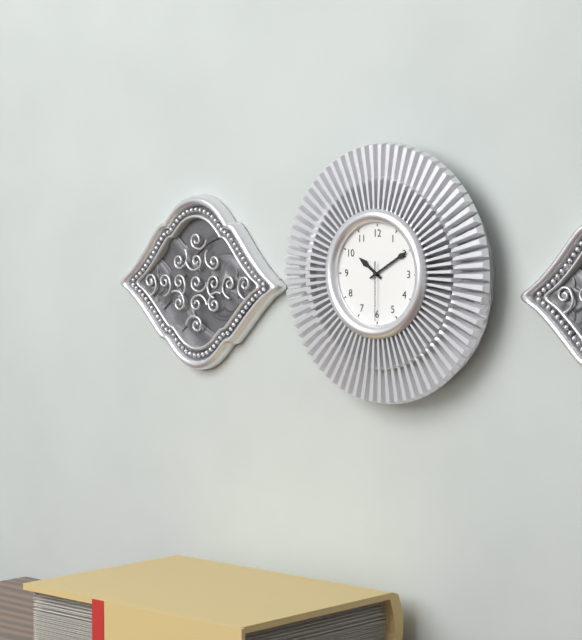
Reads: 10 h 10 min 30 s
